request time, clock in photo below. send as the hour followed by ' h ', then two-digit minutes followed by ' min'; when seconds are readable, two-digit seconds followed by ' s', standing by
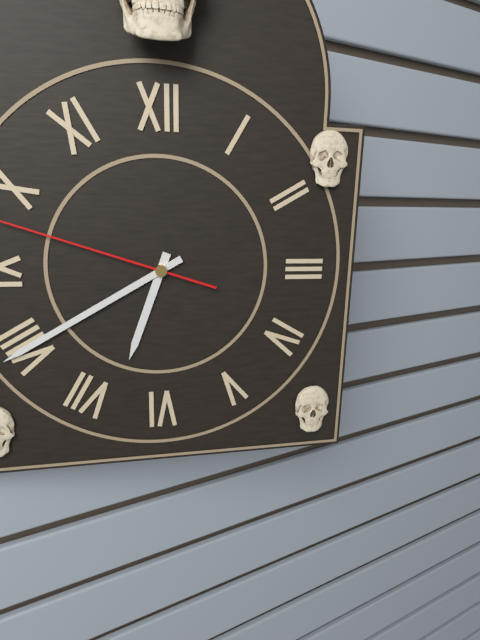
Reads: 6 h 40 min
